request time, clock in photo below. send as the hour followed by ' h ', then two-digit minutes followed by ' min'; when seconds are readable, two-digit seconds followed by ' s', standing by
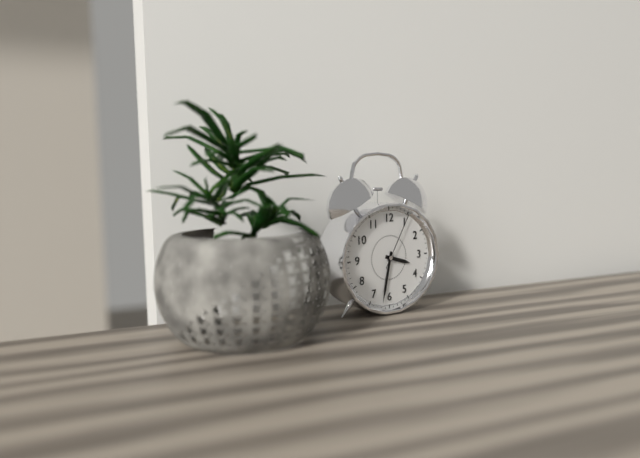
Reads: 3 h 32 min 05 s
